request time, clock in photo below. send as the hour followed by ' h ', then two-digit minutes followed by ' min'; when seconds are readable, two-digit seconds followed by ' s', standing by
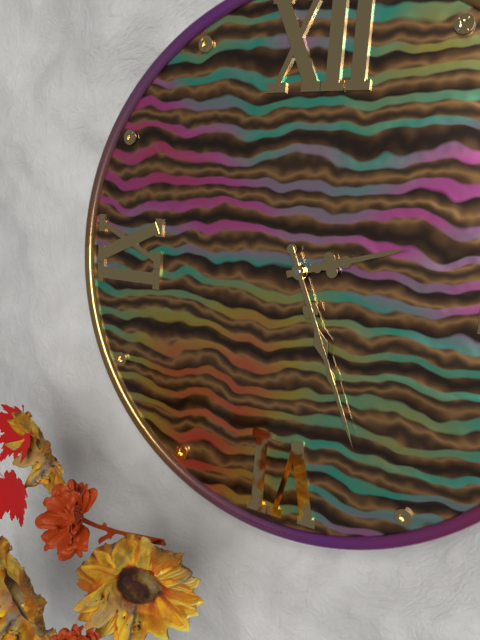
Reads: 2 h 26 min
